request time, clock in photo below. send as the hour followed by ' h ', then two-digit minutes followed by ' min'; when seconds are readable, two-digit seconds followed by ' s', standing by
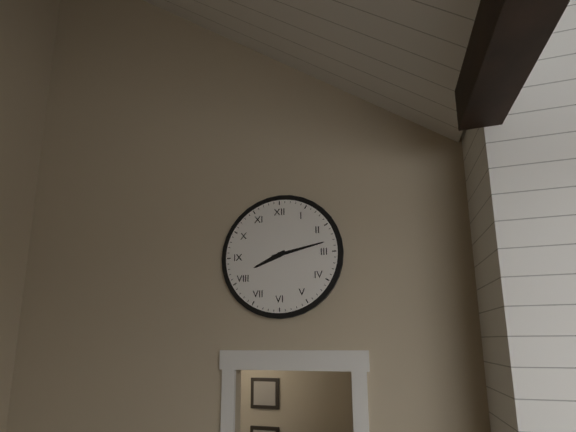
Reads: 8 h 13 min
